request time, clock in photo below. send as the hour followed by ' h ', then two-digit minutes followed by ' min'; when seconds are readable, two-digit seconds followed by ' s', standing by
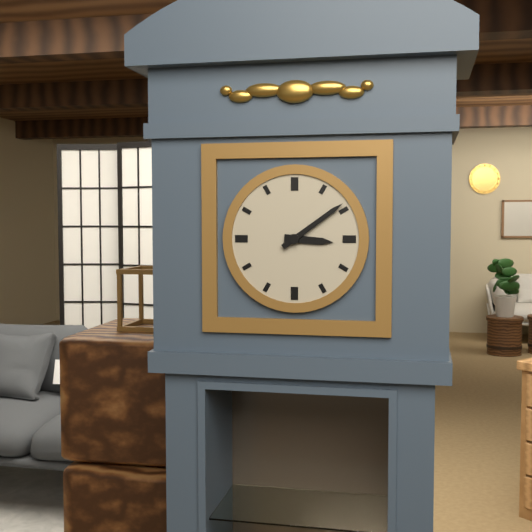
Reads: 3 h 09 min
